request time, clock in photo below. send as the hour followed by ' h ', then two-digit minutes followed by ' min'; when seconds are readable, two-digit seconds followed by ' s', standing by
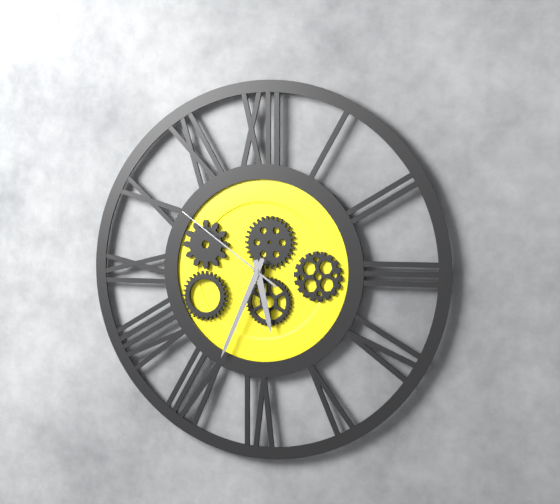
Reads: 5 h 34 min 51 s
